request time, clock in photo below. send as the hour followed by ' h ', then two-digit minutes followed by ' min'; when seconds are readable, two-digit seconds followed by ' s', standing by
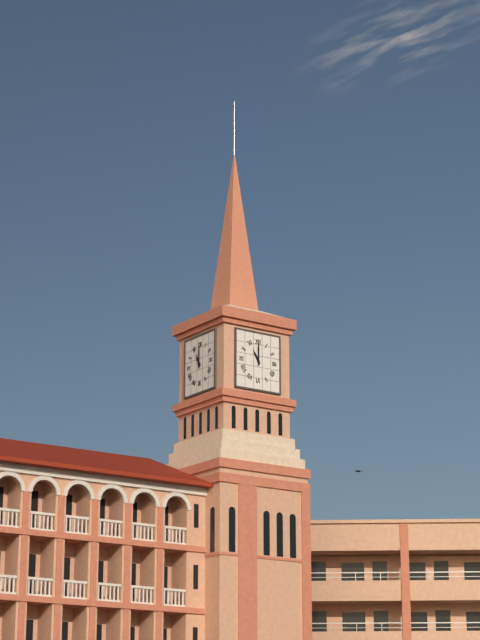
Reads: 11 h 00 min
